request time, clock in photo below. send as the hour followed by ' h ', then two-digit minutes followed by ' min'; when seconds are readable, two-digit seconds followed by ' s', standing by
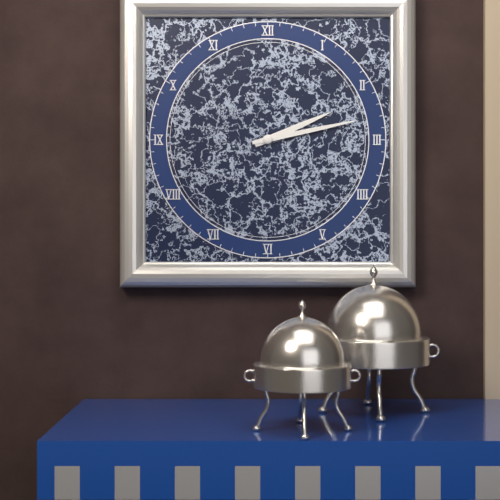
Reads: 2 h 13 min
